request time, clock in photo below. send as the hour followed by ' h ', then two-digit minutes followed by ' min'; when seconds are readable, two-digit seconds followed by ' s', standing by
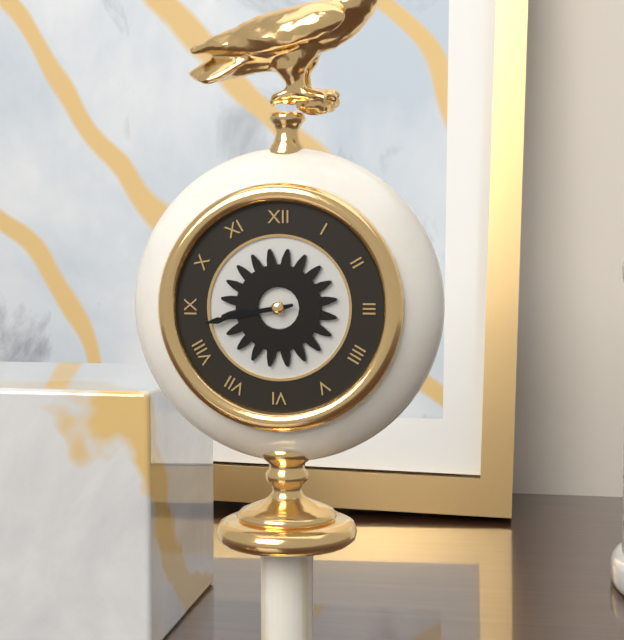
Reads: 8 h 43 min
